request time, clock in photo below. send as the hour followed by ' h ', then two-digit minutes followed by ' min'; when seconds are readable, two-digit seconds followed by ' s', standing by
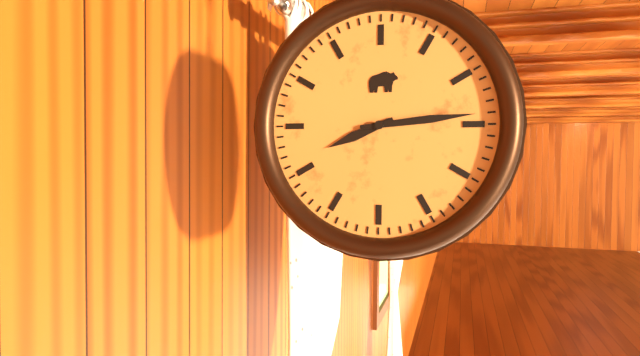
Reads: 8 h 14 min
